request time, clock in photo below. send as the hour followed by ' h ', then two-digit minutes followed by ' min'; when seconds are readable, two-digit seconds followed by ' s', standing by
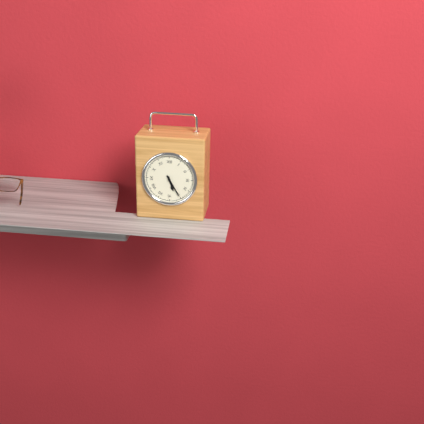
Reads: 5 h 25 min
